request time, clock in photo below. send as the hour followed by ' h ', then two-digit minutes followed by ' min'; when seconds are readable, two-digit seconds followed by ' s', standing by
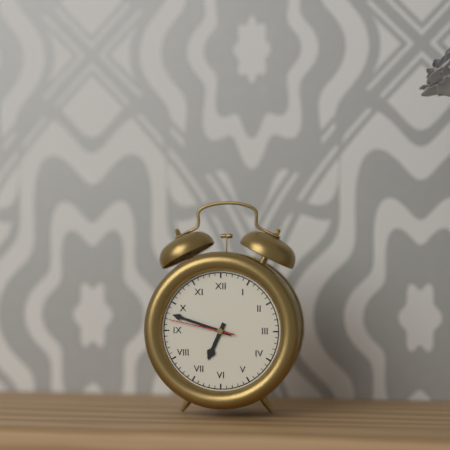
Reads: 6 h 48 min 47 s
